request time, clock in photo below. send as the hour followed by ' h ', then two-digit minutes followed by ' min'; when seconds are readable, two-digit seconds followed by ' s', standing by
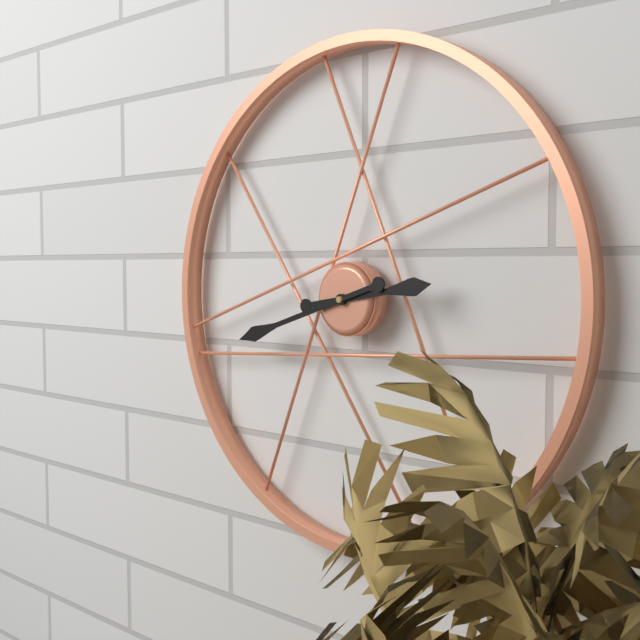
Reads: 2 h 42 min
